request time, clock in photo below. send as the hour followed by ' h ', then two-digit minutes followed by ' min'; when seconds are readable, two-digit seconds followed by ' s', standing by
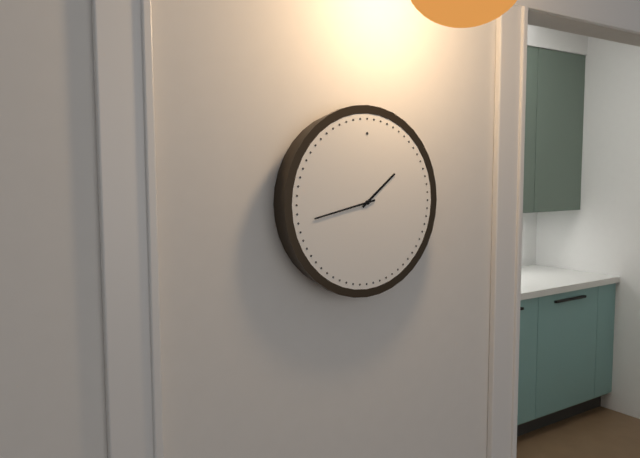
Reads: 1 h 43 min
